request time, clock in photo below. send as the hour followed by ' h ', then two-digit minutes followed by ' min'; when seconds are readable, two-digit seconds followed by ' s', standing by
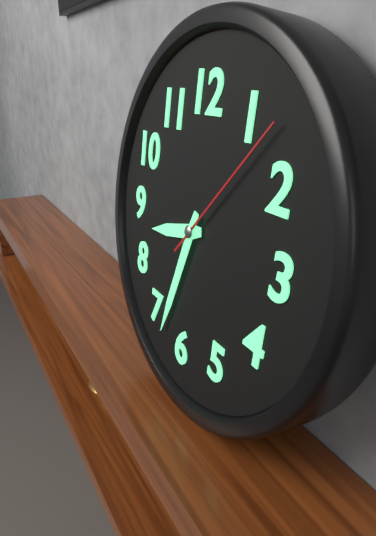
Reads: 8 h 33 min 07 s
